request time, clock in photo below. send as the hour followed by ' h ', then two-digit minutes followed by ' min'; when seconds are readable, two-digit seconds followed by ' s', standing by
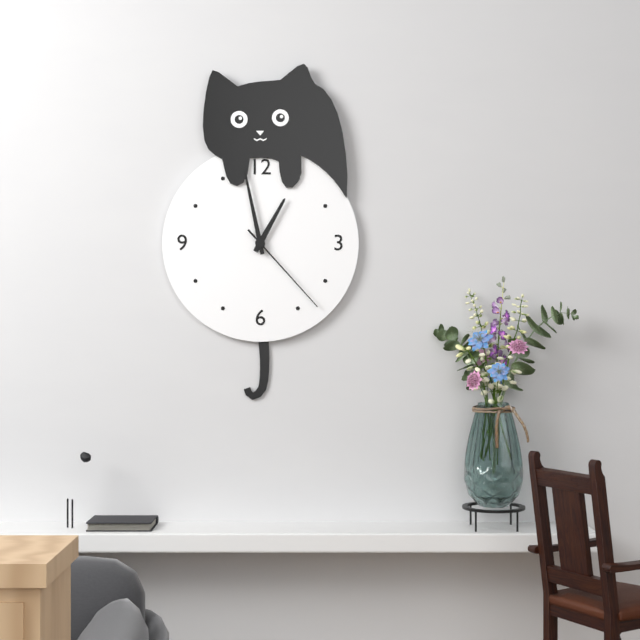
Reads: 12 h 58 min 23 s
